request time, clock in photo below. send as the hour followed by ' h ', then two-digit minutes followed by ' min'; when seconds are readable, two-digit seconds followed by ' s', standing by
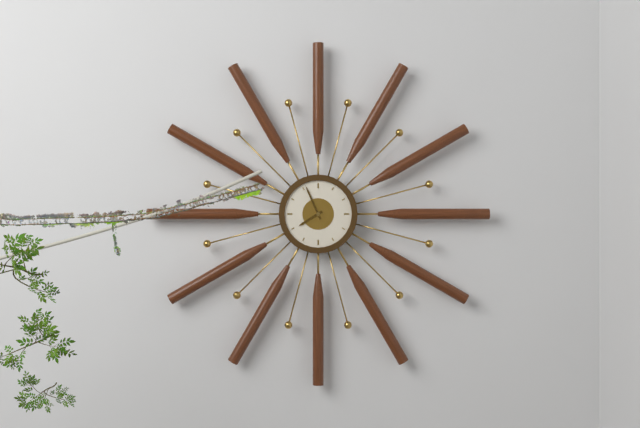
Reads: 7 h 56 min
